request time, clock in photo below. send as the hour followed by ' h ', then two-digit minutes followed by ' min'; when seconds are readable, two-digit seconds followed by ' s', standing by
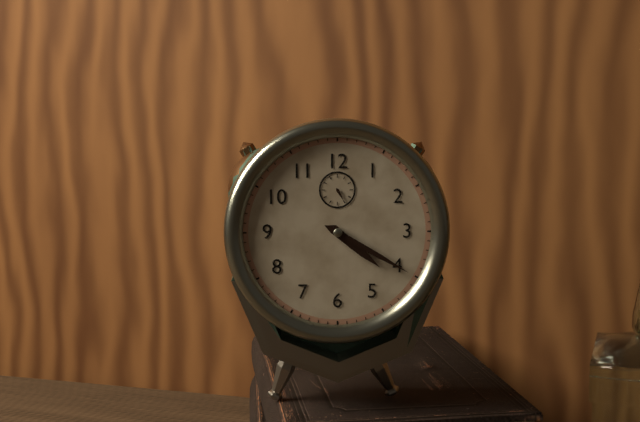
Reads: 4 h 20 min
